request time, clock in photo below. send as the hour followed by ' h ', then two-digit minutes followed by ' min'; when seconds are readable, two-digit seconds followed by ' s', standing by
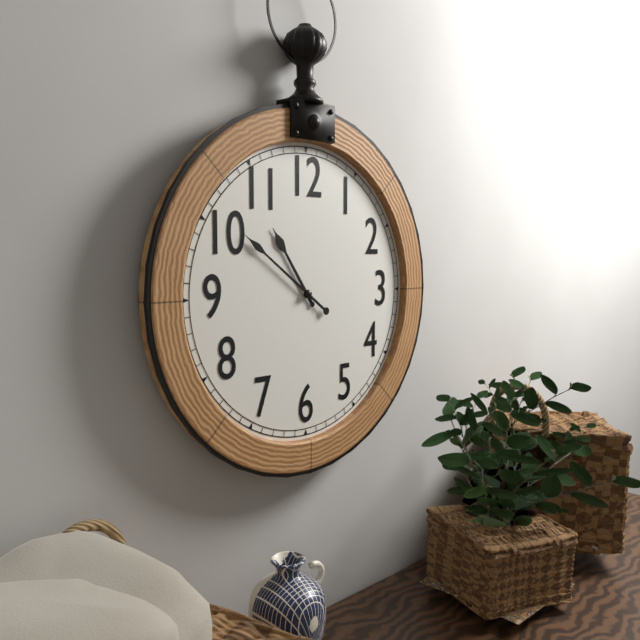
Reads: 10 h 51 min
